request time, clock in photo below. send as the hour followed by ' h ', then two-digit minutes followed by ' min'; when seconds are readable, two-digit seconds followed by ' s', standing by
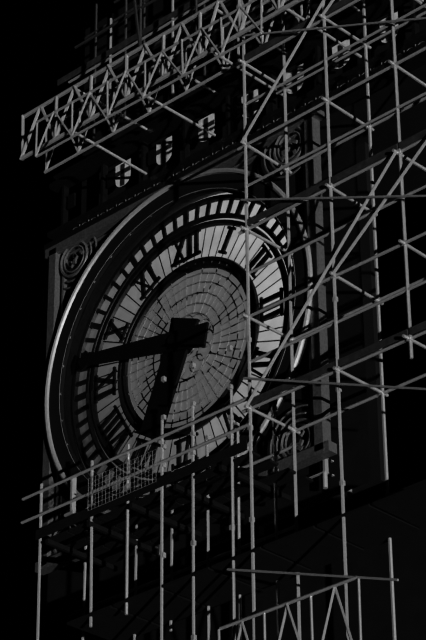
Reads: 6 h 47 min
